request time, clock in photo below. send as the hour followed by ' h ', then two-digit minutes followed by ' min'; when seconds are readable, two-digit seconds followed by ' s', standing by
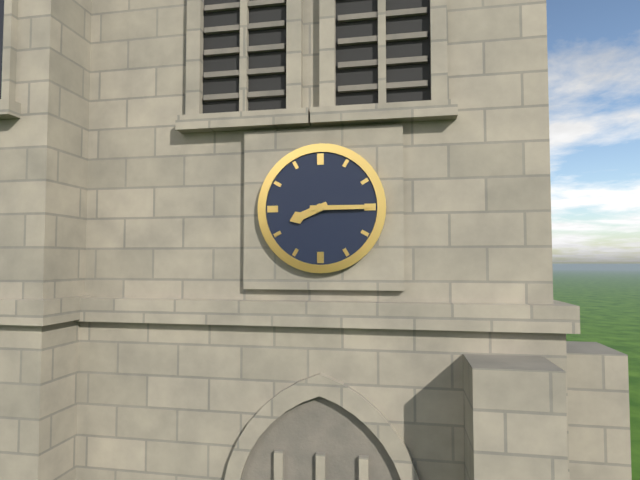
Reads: 8 h 15 min
